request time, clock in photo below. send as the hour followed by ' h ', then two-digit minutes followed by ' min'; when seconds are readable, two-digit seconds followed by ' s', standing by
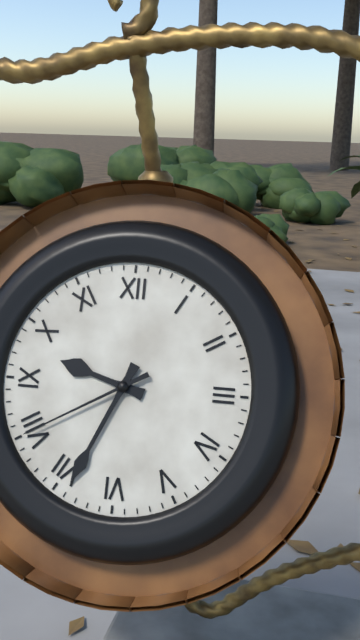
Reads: 9 h 34 min 40 s
